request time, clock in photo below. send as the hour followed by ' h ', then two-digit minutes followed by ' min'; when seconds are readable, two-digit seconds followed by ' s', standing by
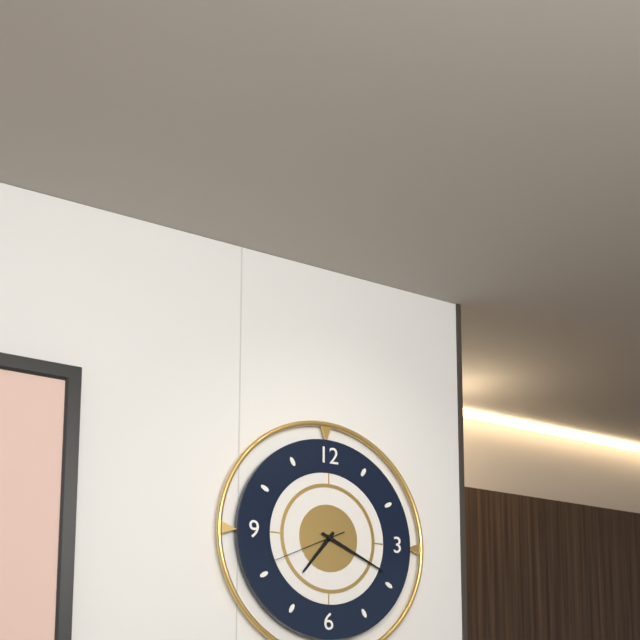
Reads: 7 h 19 min 41 s
